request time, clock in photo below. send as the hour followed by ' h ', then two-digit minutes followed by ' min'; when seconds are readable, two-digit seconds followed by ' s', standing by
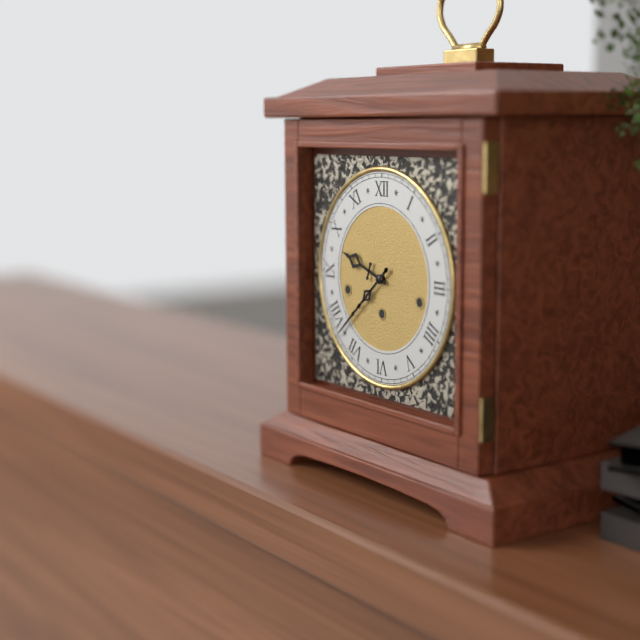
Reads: 9 h 38 min
